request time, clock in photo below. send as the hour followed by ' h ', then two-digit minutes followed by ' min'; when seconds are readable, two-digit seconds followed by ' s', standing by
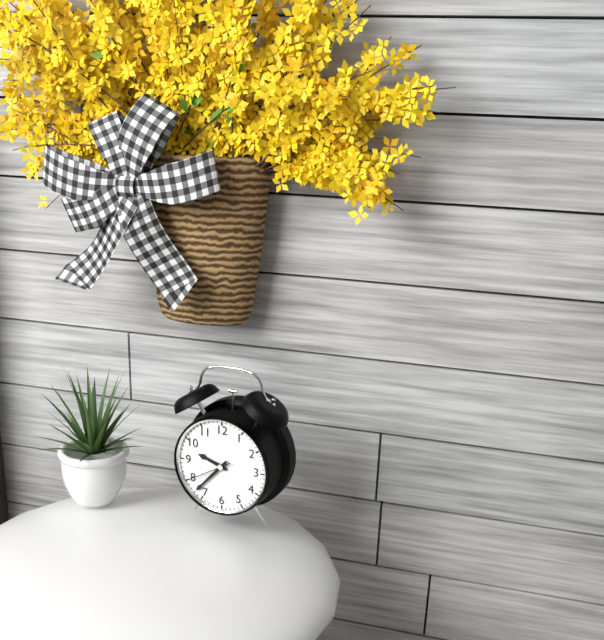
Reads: 9 h 37 min
